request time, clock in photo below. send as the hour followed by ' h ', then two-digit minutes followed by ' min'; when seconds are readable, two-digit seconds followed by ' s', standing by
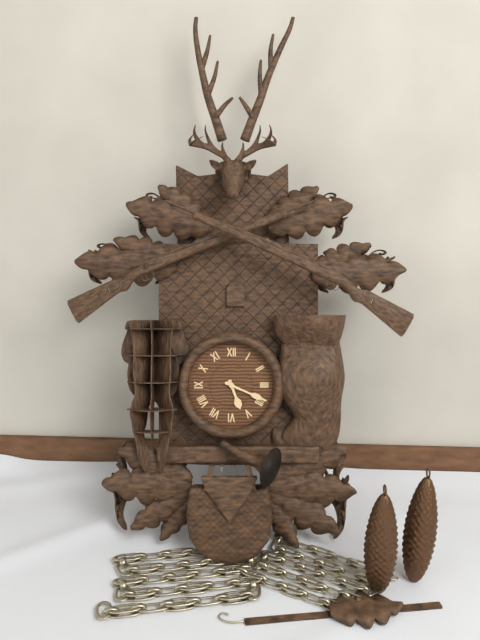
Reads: 5 h 19 min
